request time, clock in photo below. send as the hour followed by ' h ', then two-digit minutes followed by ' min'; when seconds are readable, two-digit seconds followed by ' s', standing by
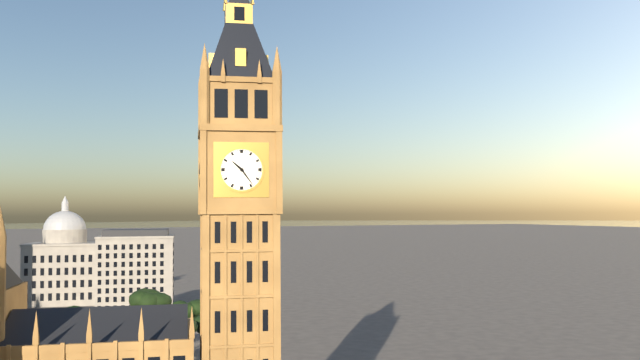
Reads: 10 h 24 min
